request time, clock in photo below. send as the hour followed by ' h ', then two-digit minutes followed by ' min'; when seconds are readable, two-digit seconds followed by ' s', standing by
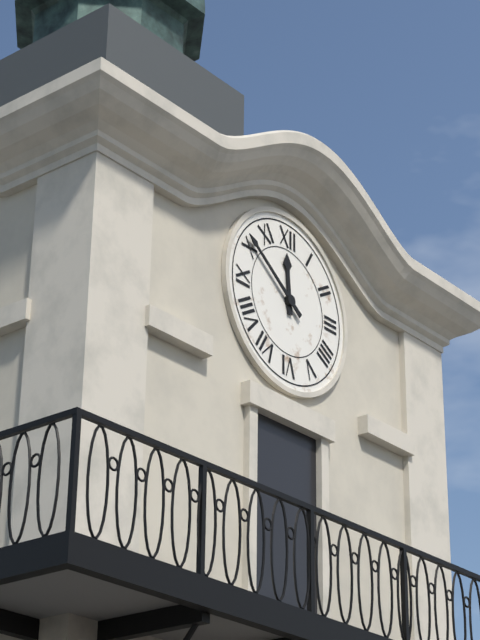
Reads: 11 h 51 min
